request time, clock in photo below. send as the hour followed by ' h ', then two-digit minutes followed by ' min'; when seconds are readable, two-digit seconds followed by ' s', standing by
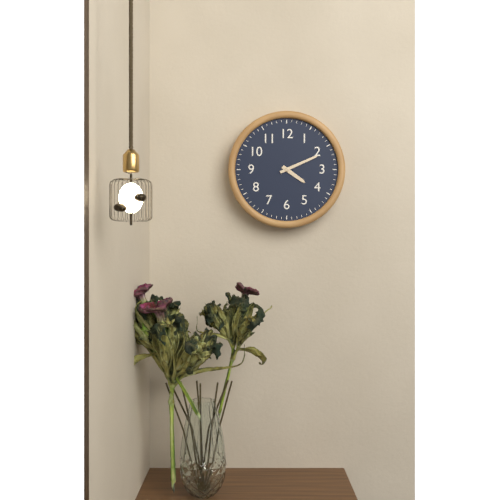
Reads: 4 h 11 min
